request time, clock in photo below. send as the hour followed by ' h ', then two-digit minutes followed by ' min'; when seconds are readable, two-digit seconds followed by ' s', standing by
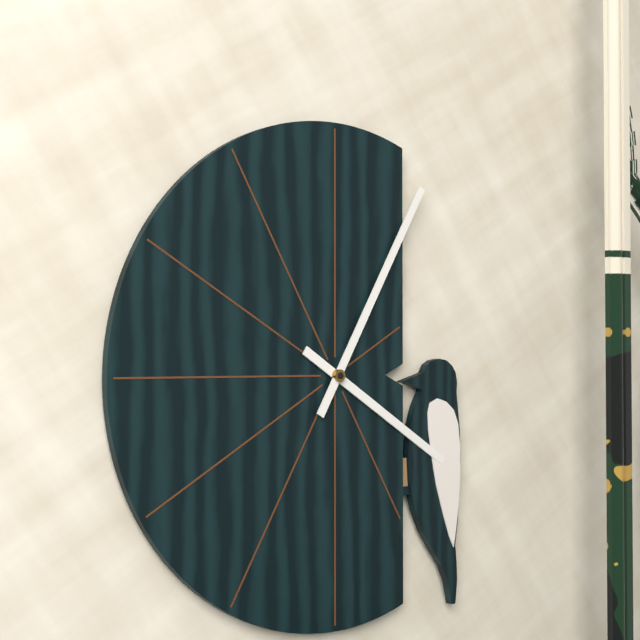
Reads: 4 h 05 min
